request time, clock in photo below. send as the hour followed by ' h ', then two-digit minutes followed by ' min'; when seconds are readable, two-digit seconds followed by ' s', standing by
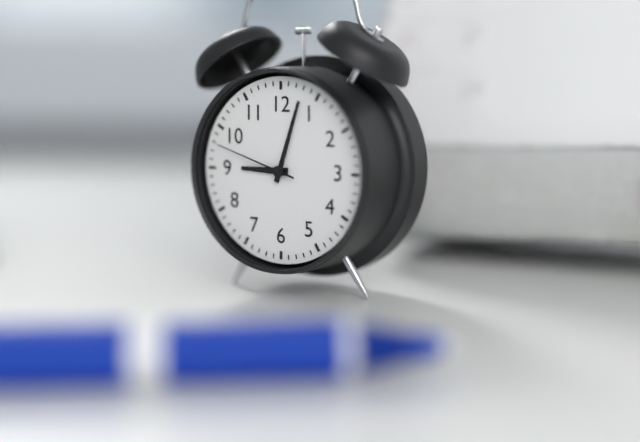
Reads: 9 h 03 min 48 s
